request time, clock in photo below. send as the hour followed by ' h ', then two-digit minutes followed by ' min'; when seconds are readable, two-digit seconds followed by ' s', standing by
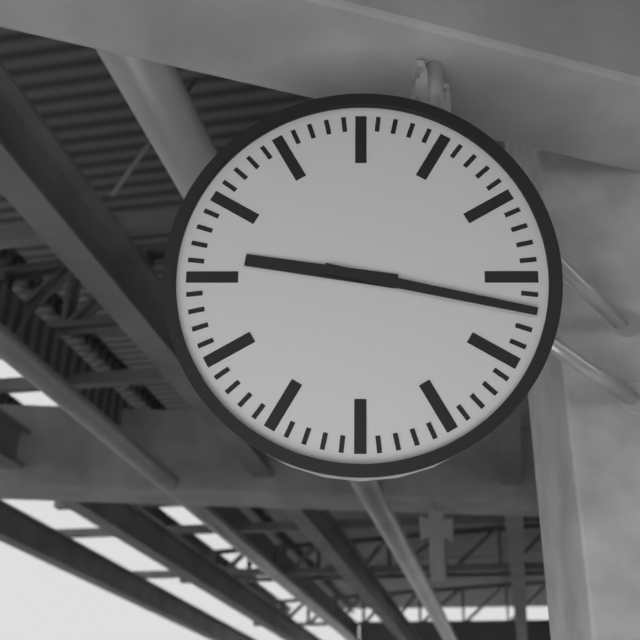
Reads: 9 h 17 min
